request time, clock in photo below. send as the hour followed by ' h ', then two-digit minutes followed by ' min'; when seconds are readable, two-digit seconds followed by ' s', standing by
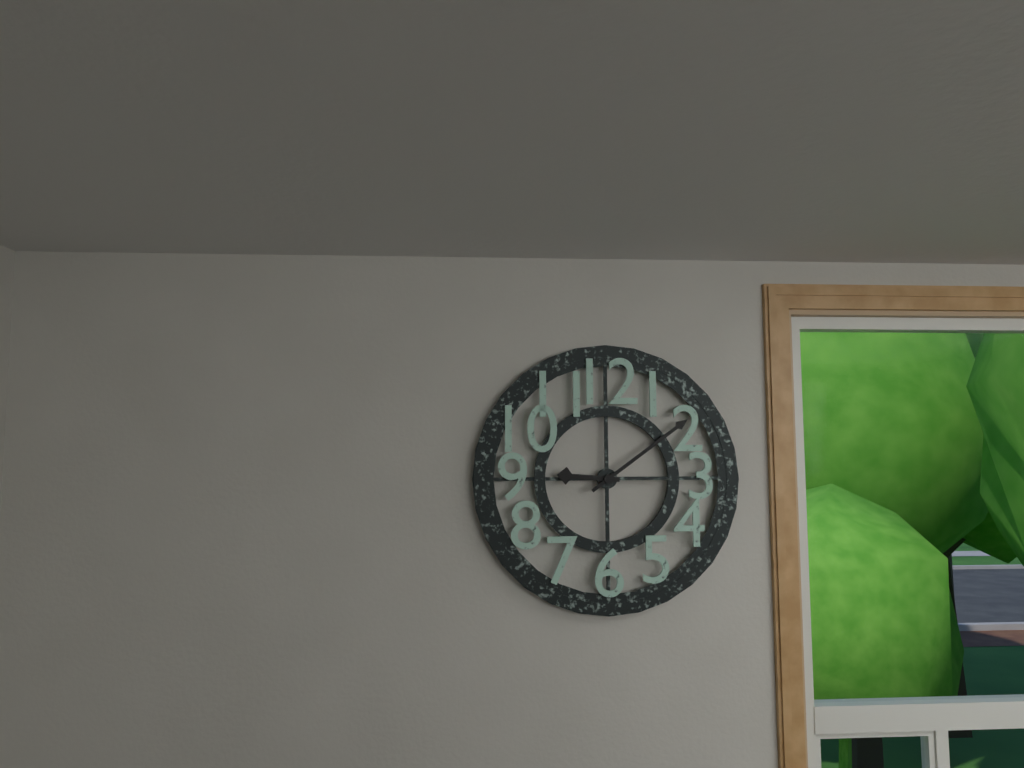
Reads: 9 h 09 min
